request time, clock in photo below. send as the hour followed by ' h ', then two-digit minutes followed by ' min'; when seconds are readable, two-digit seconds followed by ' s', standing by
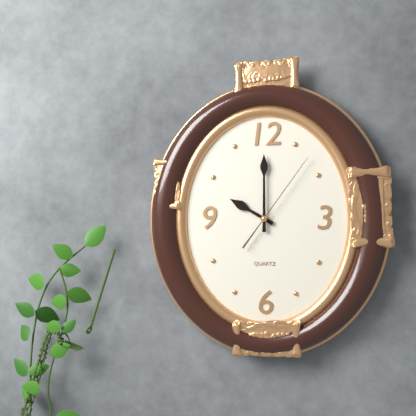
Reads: 10 h 00 min 06 s
